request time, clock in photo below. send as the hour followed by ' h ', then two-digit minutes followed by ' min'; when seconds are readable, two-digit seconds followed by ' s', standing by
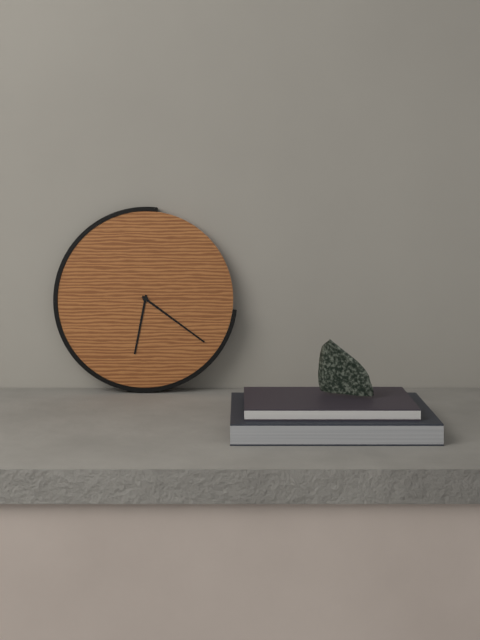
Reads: 6 h 21 min
